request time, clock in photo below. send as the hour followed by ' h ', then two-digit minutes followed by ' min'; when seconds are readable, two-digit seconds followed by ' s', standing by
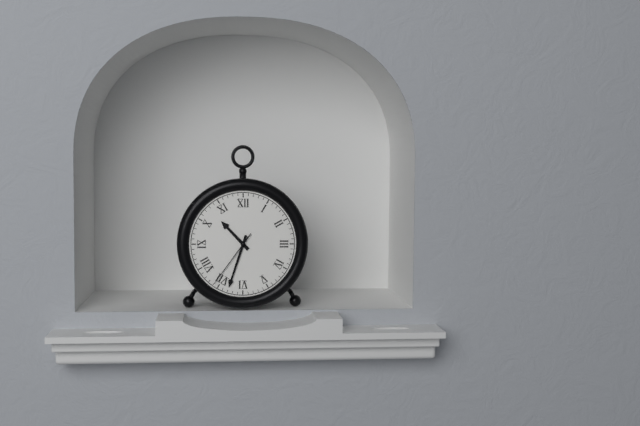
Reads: 10 h 33 min 36 s
